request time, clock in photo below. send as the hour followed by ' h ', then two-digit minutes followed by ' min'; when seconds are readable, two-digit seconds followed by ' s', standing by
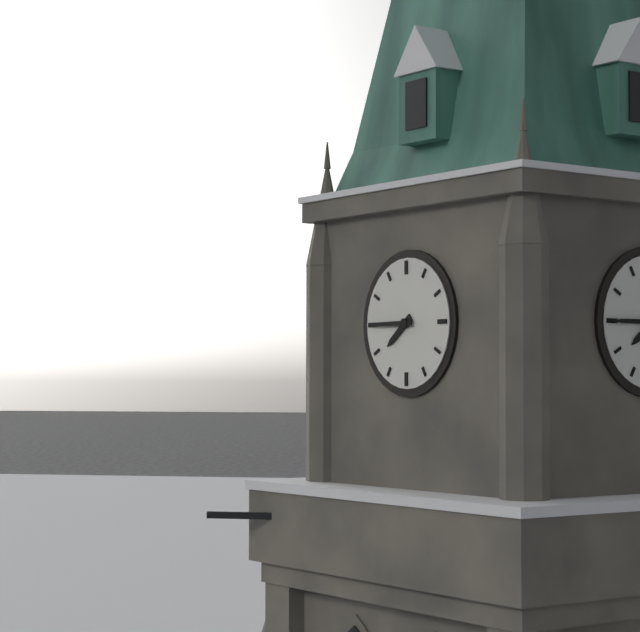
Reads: 7 h 45 min
